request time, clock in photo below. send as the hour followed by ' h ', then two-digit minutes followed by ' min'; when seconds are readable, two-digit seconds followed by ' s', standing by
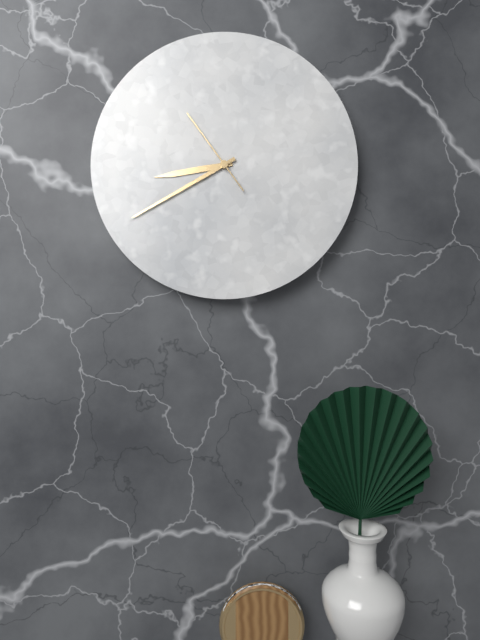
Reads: 8 h 40 min 54 s
